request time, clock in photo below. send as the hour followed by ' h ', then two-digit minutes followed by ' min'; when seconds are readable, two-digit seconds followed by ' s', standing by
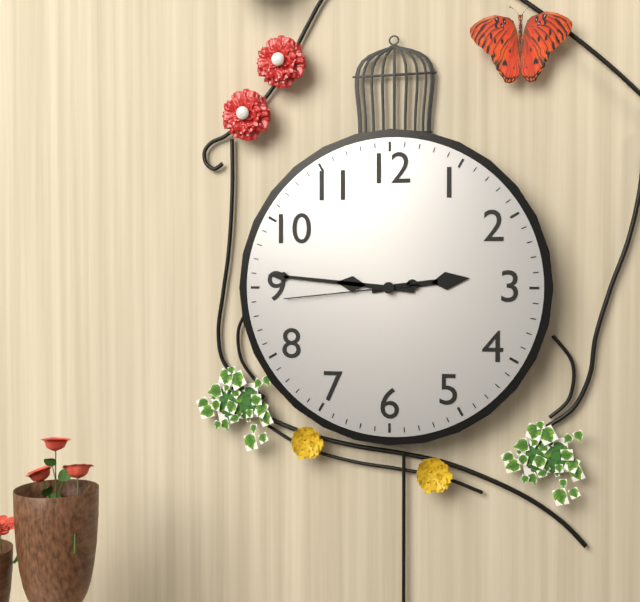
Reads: 2 h 46 min 44 s
